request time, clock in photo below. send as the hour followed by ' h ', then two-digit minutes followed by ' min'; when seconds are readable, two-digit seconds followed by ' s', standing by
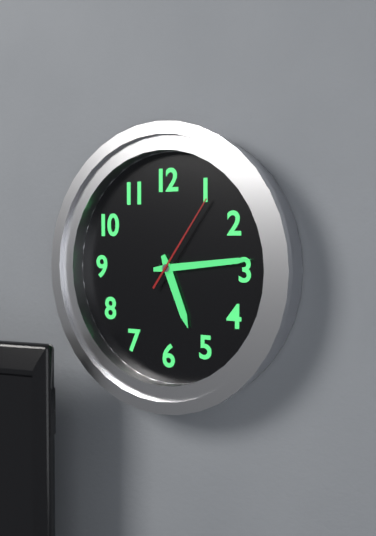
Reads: 5 h 14 min 06 s
